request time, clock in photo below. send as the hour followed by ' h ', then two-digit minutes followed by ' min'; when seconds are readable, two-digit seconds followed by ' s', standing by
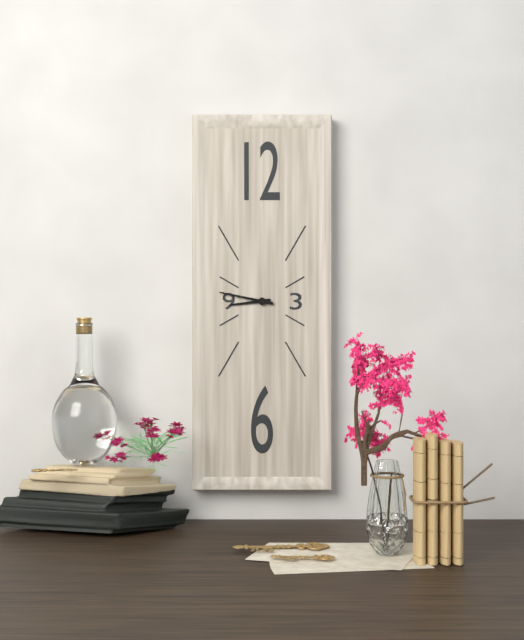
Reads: 8 h 47 min
